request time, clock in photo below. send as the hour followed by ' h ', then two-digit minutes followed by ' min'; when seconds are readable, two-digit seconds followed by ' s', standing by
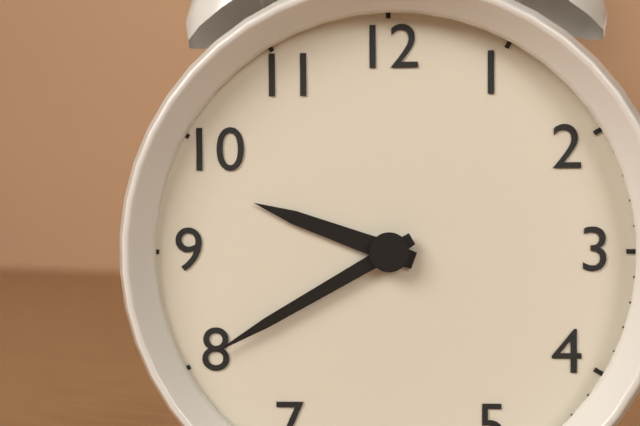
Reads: 9 h 40 min
